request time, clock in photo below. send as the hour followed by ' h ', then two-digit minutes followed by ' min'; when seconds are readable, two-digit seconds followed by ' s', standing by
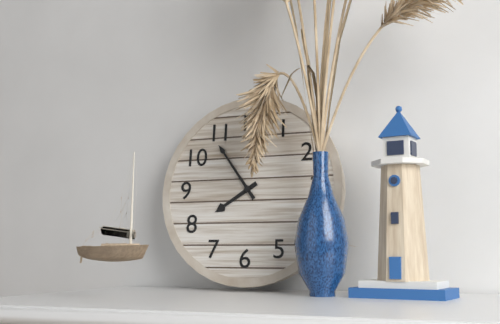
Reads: 7 h 54 min
